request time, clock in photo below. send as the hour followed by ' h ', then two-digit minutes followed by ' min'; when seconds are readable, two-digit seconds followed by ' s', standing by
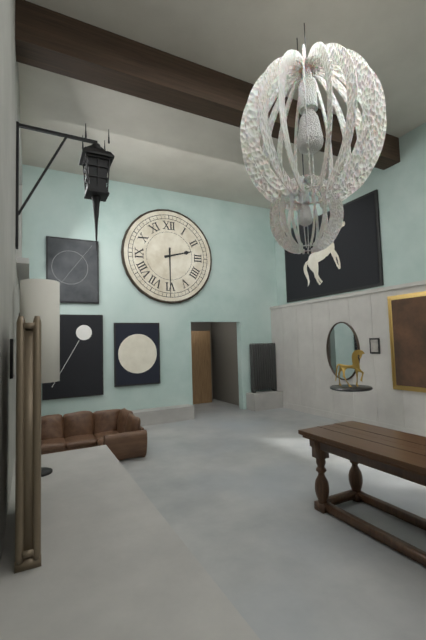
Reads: 2 h 30 min
